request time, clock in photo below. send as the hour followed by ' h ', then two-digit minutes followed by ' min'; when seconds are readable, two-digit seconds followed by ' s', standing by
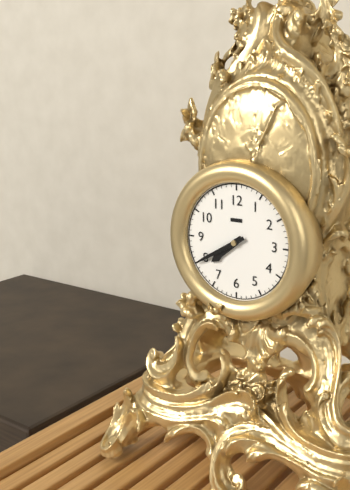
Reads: 7 h 40 min
